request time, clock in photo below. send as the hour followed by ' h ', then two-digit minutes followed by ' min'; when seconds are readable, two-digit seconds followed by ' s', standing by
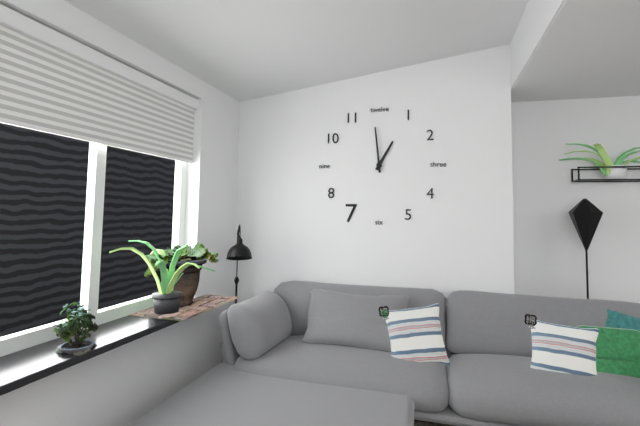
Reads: 12 h 59 min
